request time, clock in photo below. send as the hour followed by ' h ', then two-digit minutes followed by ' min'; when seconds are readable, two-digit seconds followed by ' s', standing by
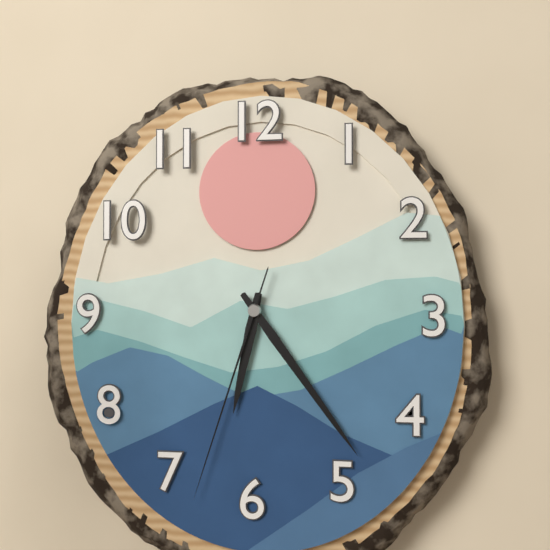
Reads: 6 h 24 min 33 s
